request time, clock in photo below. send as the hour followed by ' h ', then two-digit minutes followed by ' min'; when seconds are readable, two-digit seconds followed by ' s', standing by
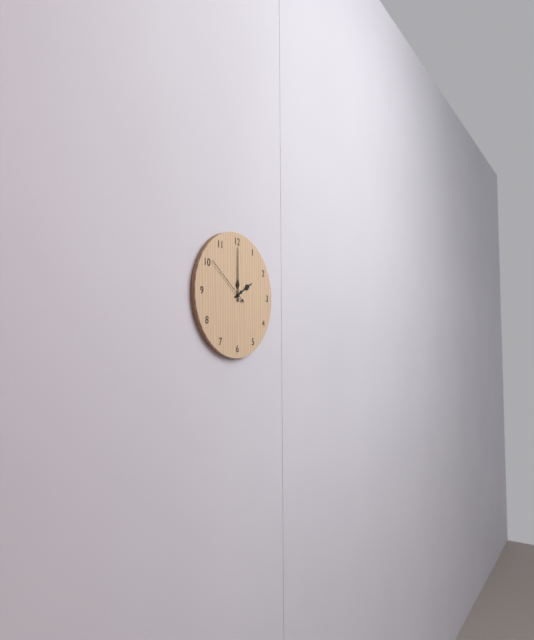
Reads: 2 h 00 min 51 s
